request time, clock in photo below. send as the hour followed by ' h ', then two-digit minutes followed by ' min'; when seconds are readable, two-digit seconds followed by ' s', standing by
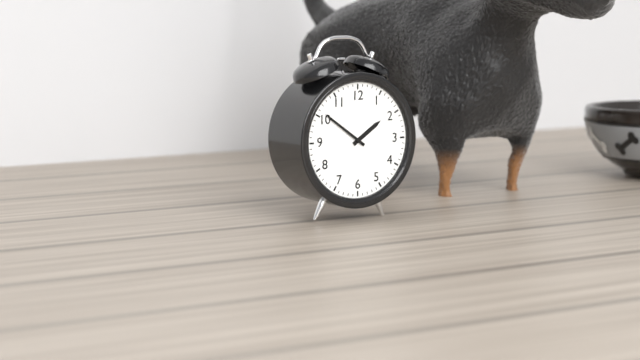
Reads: 1 h 51 min
